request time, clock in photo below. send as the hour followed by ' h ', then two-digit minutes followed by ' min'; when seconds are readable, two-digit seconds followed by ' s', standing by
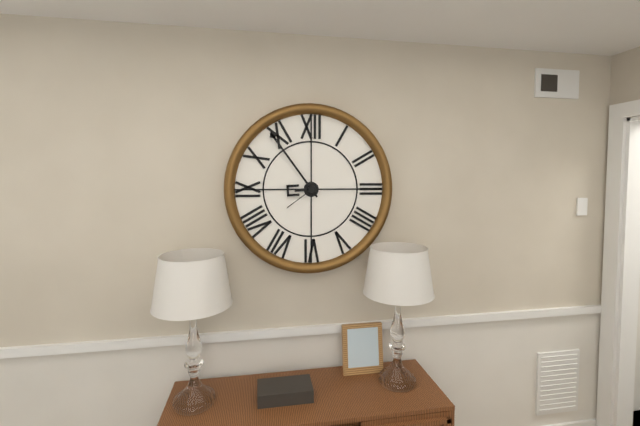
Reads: 8 h 54 min
